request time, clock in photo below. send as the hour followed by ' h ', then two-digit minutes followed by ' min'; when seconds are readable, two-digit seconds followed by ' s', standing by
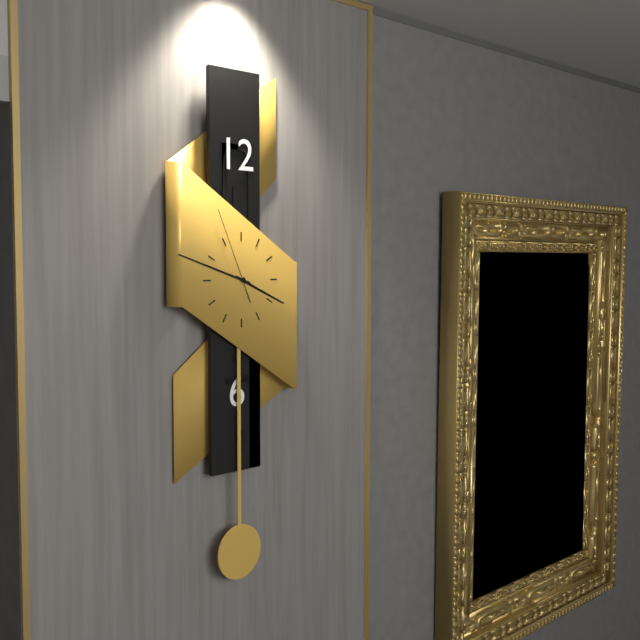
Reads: 3 h 48 min 56 s
